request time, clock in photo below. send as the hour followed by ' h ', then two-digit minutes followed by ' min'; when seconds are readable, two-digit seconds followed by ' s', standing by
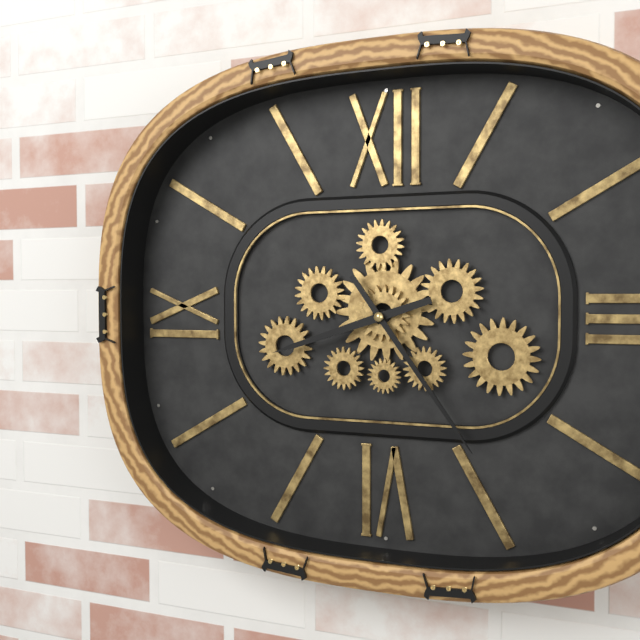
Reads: 8 h 24 min
